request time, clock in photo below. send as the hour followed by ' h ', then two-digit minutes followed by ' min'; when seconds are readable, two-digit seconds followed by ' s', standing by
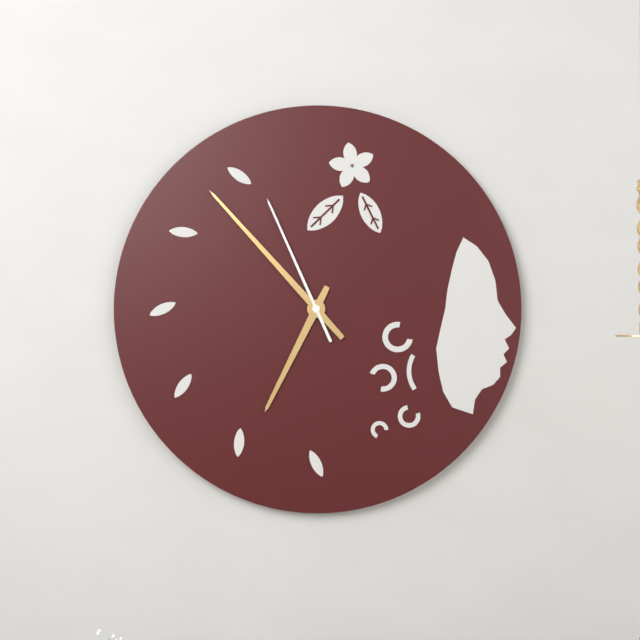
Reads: 6 h 53 min 56 s
